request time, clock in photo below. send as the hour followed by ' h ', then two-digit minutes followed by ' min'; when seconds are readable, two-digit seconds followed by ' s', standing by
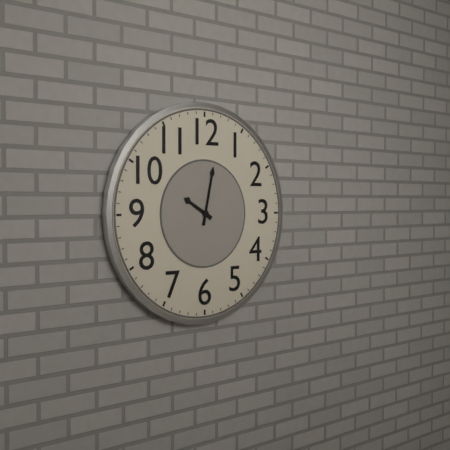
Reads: 10 h 02 min
